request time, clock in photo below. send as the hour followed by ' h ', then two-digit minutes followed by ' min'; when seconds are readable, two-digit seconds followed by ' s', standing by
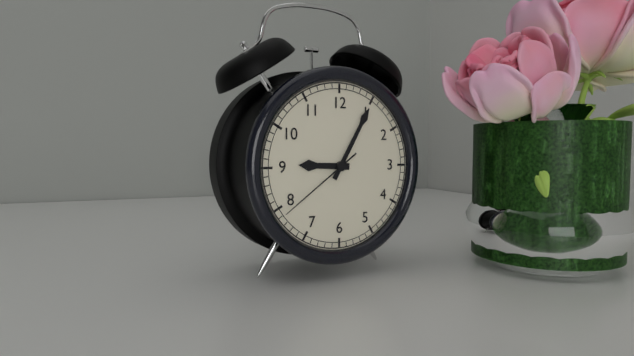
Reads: 9 h 05 min 39 s
